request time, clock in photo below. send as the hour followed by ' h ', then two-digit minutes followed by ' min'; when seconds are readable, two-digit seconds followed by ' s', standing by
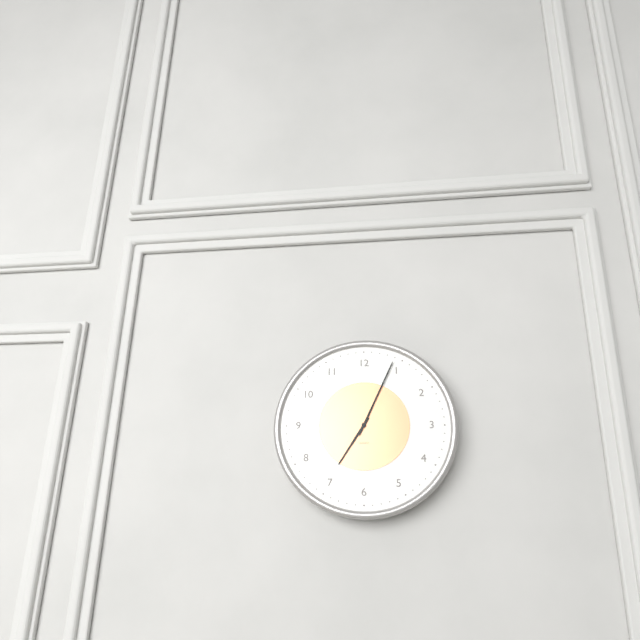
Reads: 7 h 04 min
